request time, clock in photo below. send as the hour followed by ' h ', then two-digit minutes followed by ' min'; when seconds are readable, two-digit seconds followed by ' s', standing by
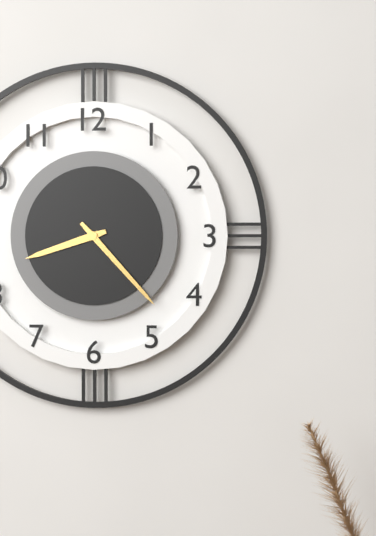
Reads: 8 h 23 min
